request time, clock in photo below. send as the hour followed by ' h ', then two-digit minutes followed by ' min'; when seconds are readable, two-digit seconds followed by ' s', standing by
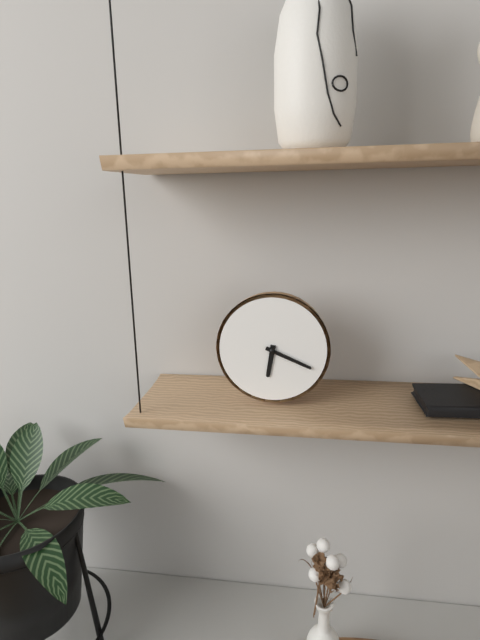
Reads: 6 h 19 min
